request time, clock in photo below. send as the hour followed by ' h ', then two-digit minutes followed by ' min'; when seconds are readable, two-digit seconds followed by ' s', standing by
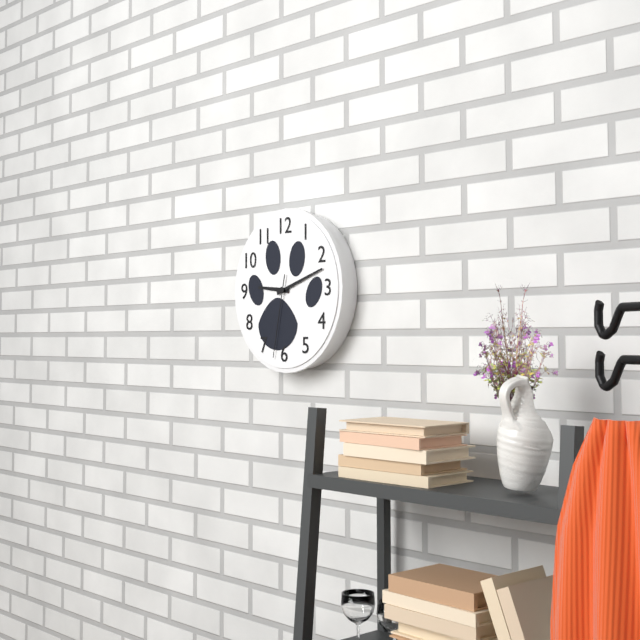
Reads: 9 h 12 min 32 s
